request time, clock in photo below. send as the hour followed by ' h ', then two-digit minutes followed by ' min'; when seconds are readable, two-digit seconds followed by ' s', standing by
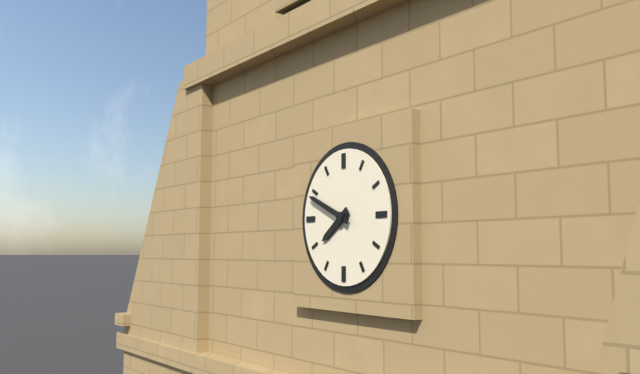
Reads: 7 h 49 min
